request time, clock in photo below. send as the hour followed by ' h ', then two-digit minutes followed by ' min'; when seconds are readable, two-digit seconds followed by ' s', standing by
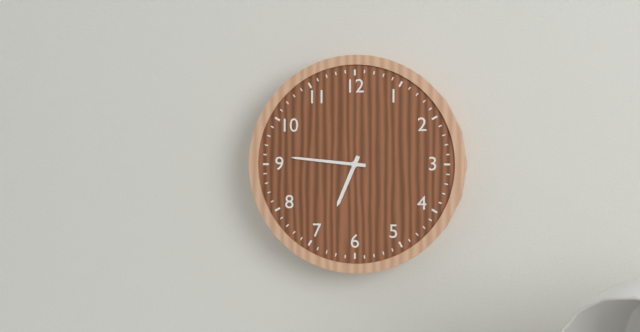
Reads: 6 h 46 min
